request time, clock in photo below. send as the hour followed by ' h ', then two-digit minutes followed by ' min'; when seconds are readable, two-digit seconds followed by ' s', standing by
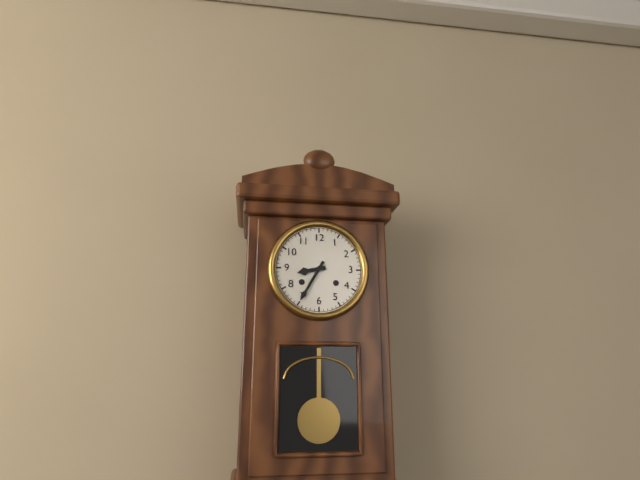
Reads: 8 h 35 min
